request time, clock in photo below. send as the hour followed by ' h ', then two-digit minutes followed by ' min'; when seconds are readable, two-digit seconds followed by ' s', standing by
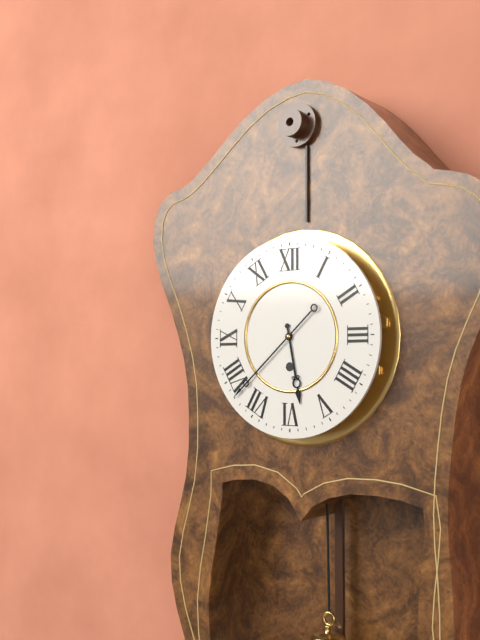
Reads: 5 h 38 min
